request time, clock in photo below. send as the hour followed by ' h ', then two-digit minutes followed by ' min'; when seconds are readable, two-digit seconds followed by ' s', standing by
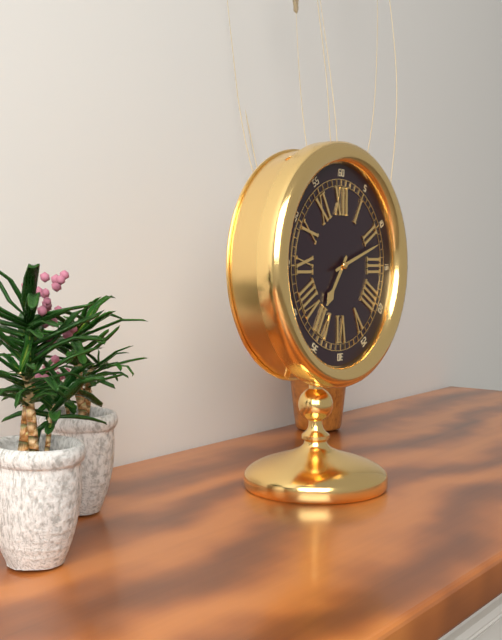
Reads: 7 h 12 min
